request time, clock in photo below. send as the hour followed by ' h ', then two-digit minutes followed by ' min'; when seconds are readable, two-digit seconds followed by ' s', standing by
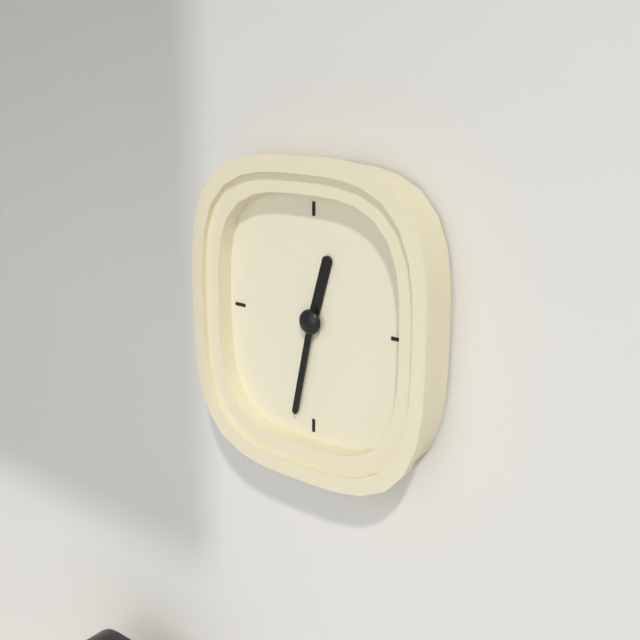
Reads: 12 h 32 min
